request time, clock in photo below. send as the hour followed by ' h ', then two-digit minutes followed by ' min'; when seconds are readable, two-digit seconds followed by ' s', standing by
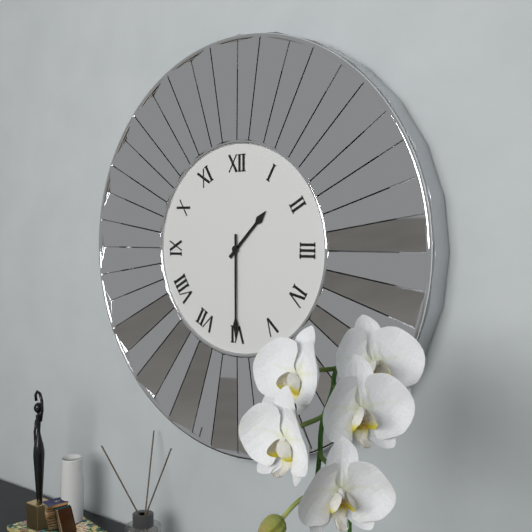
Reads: 1 h 30 min
